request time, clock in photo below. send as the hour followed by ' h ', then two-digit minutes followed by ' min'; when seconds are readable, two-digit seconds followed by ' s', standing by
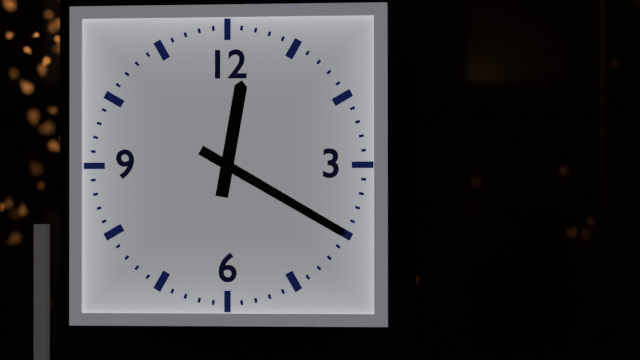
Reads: 12 h 20 min
